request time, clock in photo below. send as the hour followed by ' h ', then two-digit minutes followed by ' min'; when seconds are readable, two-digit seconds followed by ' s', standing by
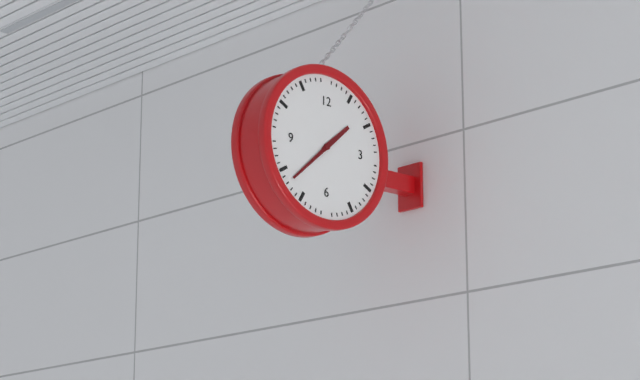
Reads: 1 h 38 min
